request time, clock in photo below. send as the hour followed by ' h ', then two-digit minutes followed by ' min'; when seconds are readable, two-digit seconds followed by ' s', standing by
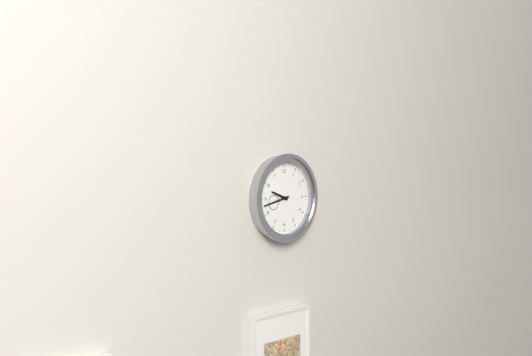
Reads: 9 h 43 min
